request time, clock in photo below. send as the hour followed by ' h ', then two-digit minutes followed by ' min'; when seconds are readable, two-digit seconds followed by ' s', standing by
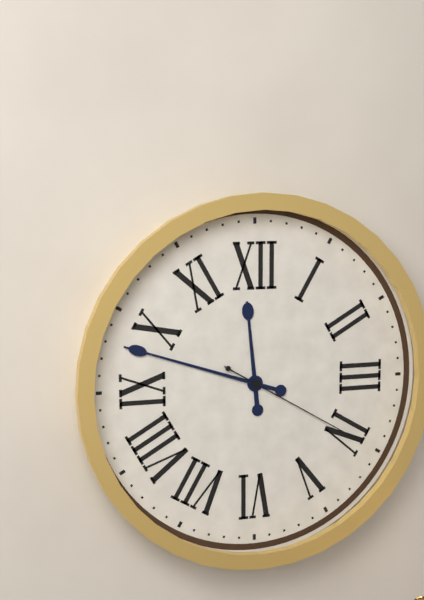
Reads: 11 h 48 min 20 s
